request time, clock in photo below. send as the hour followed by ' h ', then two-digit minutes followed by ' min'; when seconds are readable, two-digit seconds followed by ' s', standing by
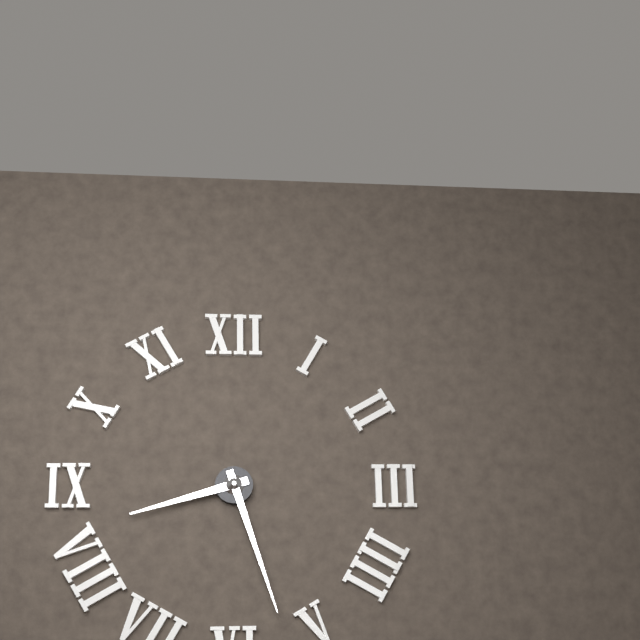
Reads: 8 h 27 min
